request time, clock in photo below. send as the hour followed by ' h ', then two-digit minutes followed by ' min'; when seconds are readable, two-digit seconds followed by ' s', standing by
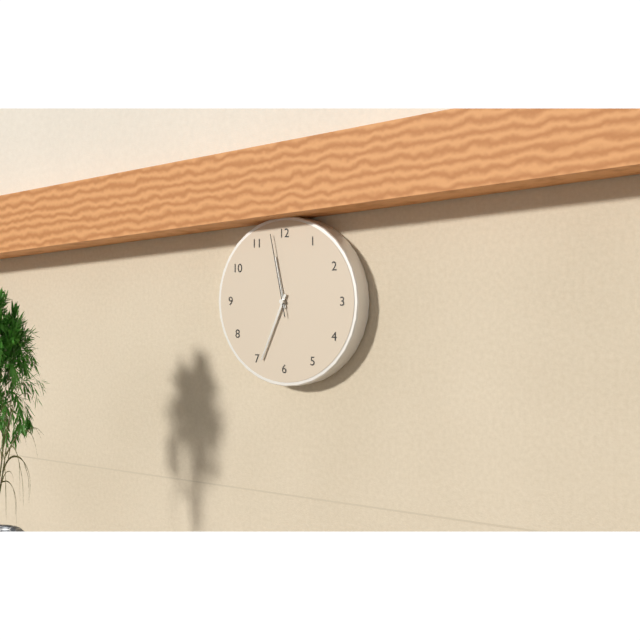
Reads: 11 h 34 min 58 s
